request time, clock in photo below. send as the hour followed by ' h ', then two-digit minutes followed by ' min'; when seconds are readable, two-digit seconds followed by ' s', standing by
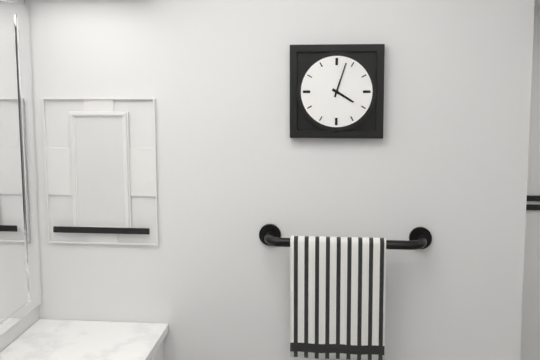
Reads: 4 h 03 min
